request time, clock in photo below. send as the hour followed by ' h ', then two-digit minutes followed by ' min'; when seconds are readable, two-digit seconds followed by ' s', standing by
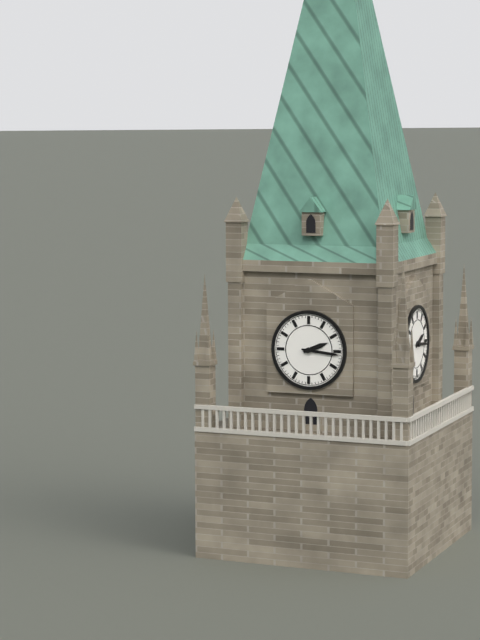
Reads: 2 h 16 min
